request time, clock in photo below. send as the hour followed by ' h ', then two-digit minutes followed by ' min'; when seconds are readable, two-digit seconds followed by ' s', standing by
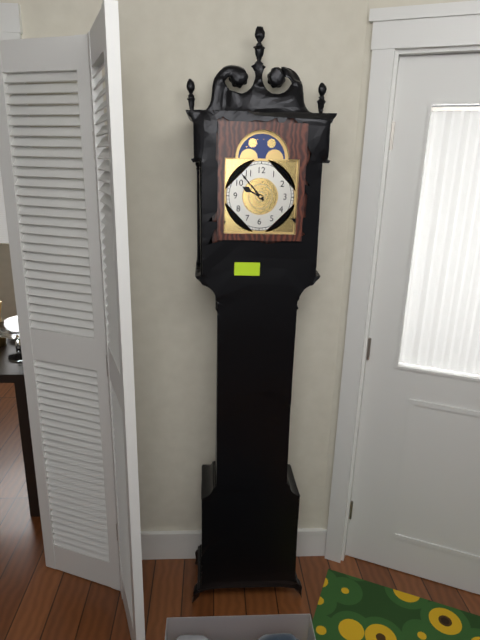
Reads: 9 h 53 min
